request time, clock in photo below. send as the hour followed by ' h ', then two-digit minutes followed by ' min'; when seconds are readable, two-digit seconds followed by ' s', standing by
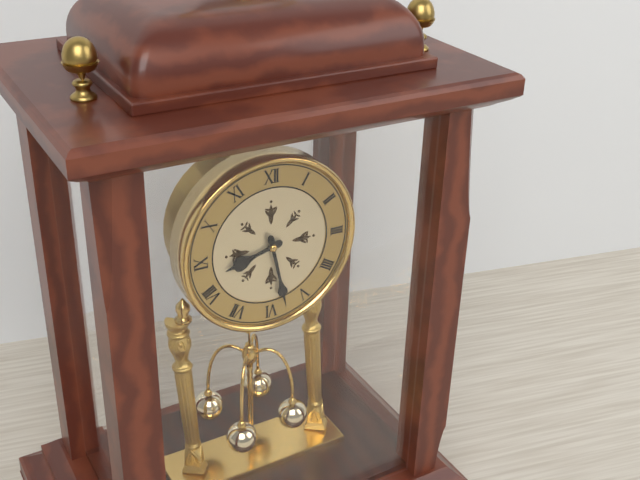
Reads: 8 h 28 min
